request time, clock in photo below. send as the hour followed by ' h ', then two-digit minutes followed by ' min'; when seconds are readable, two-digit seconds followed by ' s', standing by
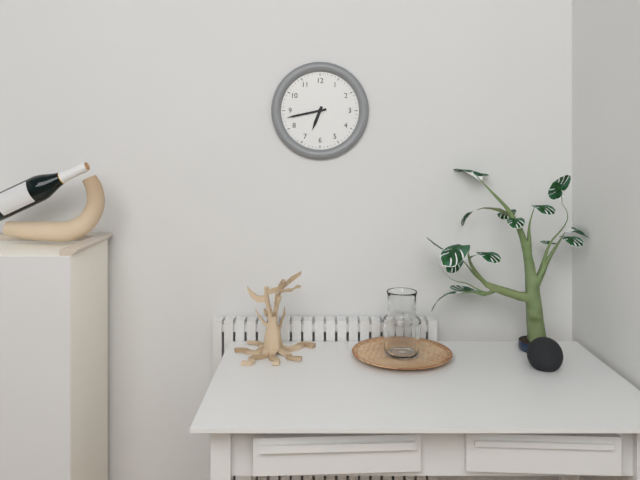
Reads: 6 h 43 min
